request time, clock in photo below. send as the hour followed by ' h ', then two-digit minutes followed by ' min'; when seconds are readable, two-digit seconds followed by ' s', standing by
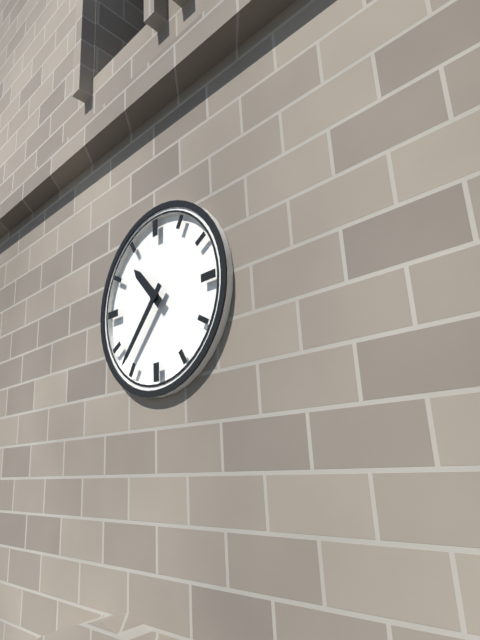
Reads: 10 h 37 min
